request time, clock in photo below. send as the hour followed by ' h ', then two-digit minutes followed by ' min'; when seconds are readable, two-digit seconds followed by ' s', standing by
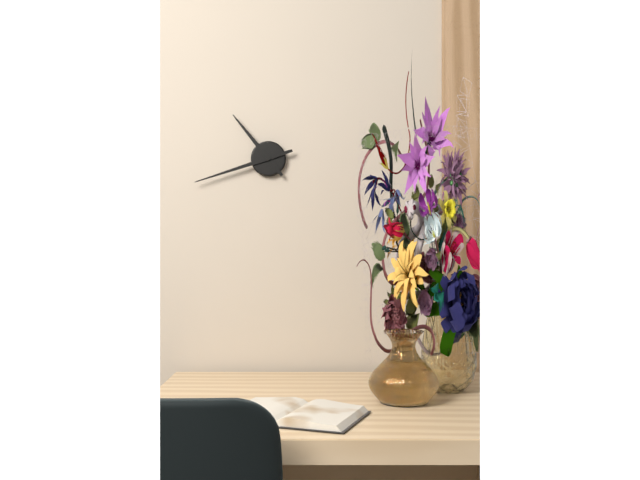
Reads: 10 h 42 min
